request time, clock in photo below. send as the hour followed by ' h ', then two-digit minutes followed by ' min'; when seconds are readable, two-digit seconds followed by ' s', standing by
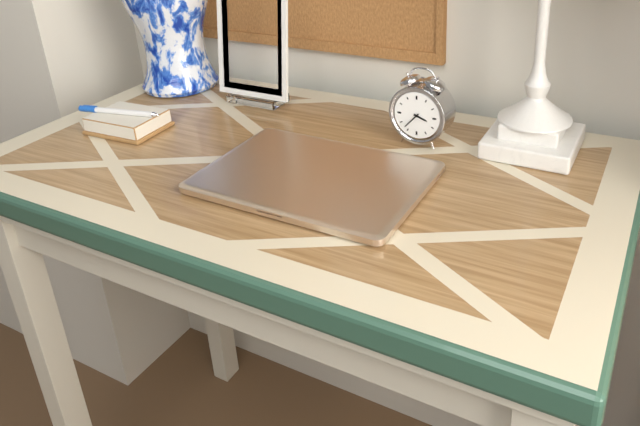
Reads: 3 h 37 min
